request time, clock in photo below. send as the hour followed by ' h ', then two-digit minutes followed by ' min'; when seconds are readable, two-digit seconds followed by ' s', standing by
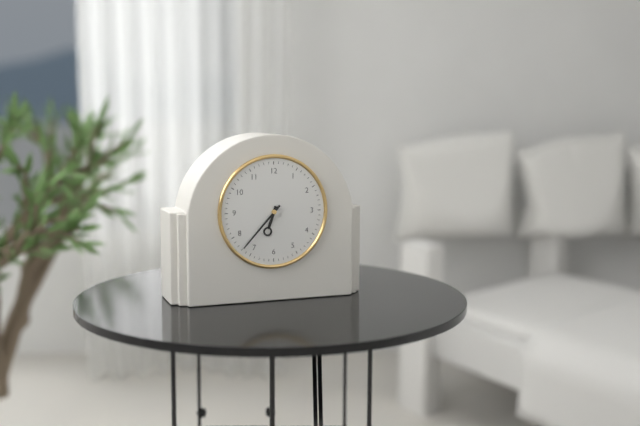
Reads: 6 h 37 min
